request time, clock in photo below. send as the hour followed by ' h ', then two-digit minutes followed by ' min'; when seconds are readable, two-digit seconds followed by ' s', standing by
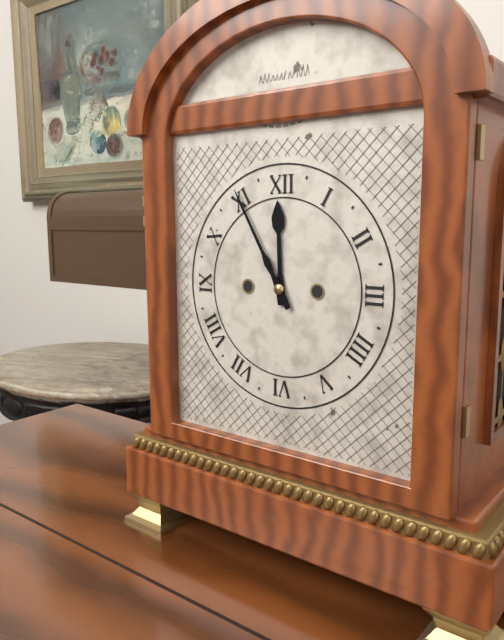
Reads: 11 h 55 min
